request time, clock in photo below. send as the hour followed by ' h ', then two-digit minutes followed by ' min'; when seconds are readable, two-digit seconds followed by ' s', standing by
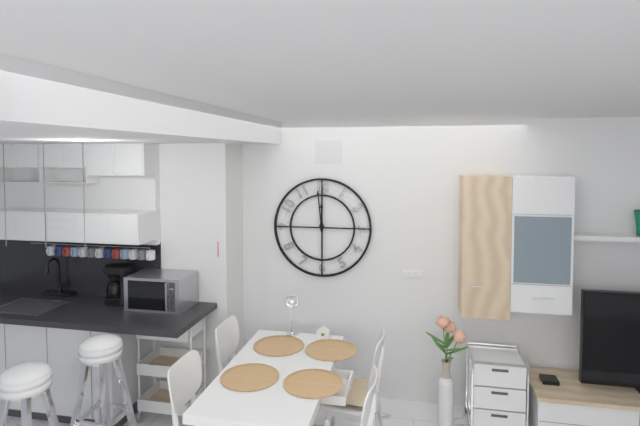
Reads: 11 h 59 min
